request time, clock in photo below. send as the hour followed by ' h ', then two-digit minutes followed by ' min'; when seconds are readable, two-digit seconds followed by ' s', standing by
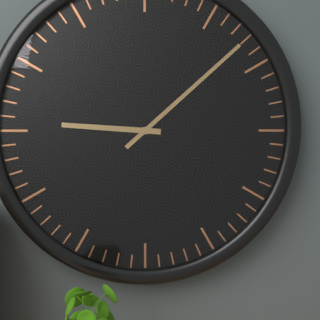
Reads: 9 h 08 min
